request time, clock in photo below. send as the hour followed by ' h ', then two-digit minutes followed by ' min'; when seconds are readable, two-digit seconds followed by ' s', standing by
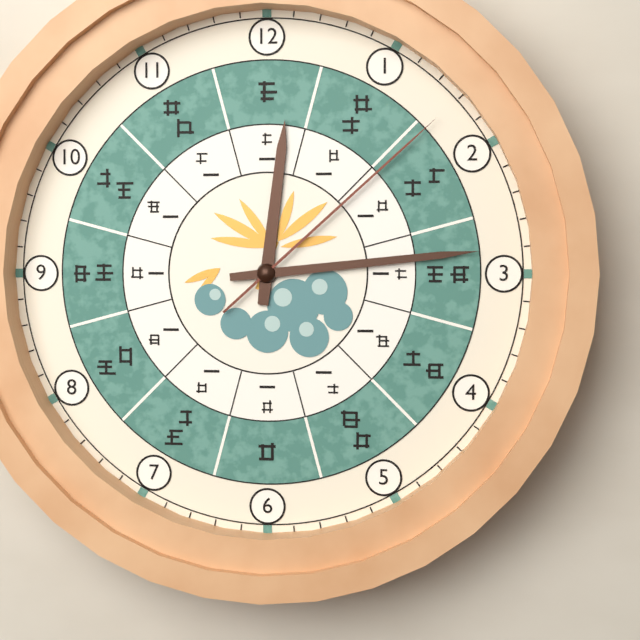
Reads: 12 h 14 min 08 s
